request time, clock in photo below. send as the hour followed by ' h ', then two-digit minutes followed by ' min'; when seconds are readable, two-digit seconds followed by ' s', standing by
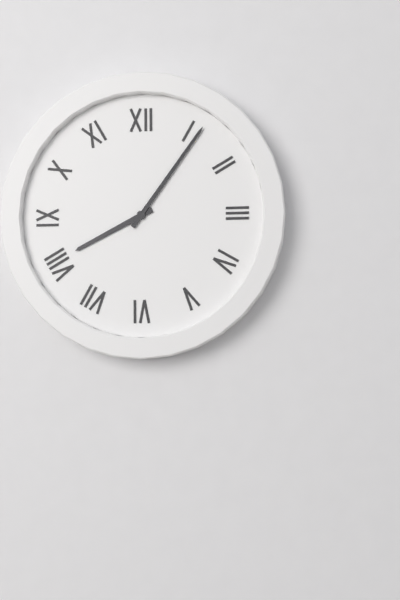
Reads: 8 h 06 min
